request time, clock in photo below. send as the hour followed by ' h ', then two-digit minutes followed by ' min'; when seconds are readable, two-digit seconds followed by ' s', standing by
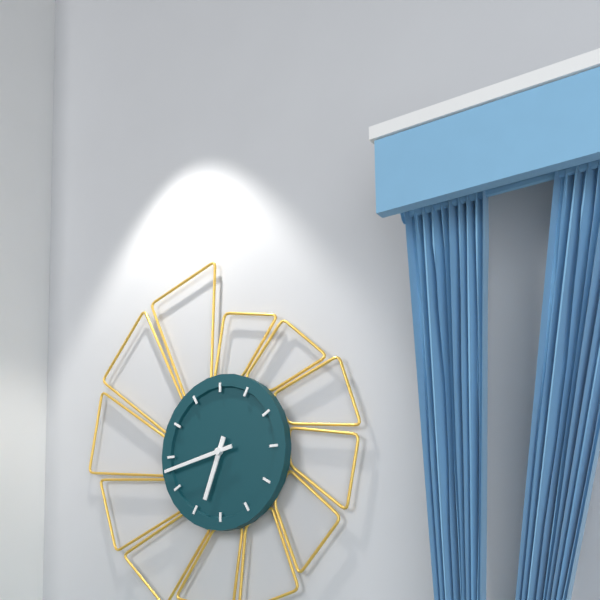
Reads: 6 h 43 min
